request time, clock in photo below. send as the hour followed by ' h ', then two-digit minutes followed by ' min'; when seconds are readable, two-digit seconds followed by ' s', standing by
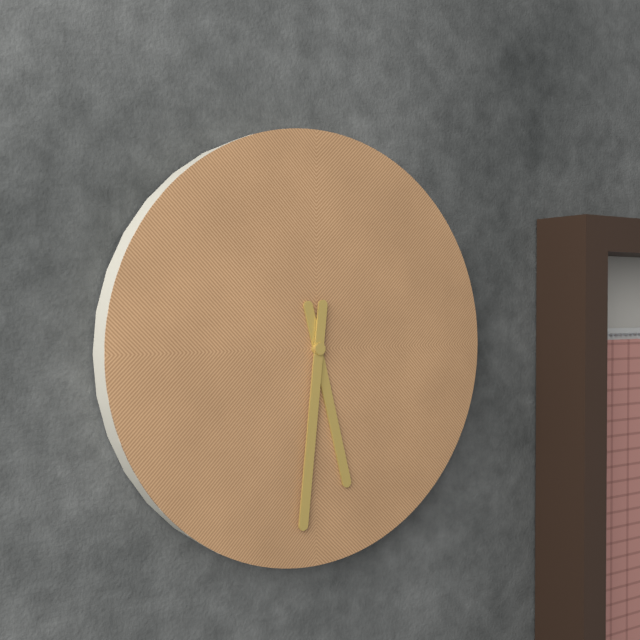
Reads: 5 h 31 min
